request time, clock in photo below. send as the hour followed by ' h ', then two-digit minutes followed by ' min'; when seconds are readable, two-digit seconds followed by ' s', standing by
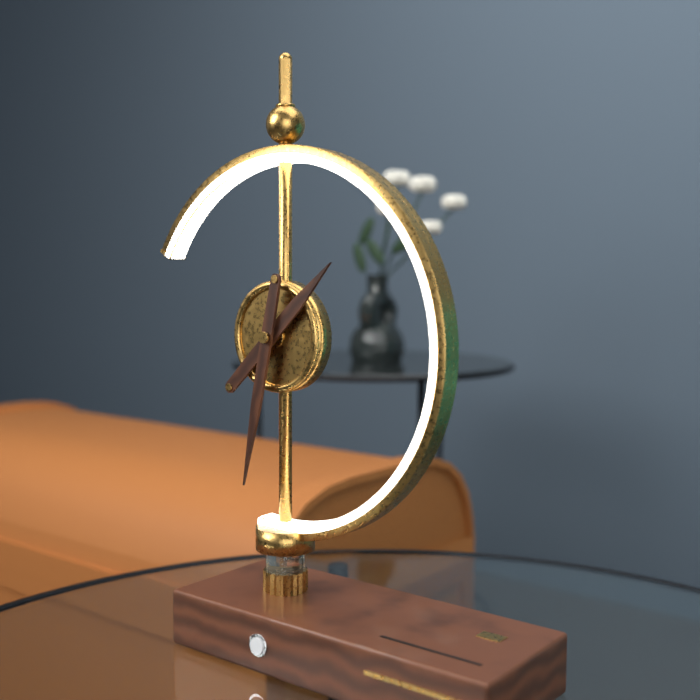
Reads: 1 h 32 min
